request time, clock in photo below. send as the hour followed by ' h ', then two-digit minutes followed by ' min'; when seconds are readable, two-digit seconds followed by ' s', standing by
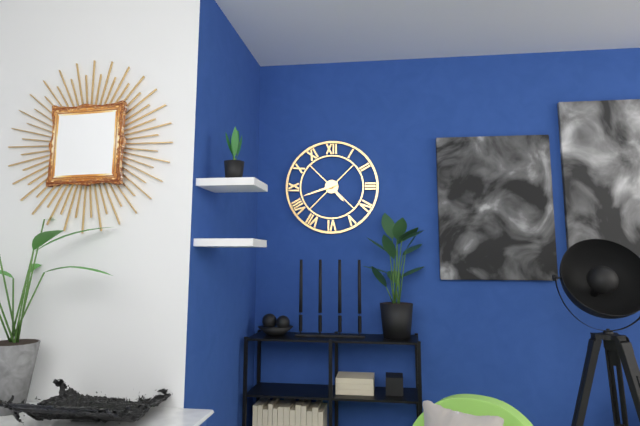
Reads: 4 h 42 min
